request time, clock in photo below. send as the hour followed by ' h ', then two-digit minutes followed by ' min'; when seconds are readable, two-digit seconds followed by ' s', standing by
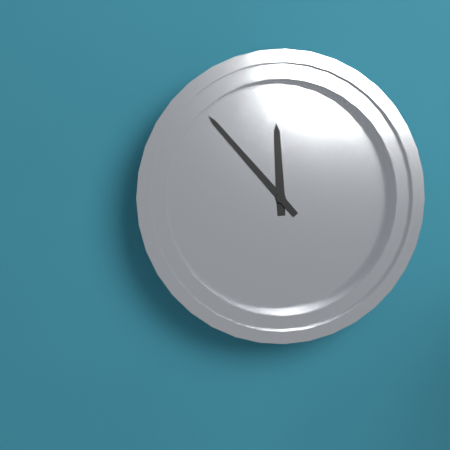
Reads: 11 h 53 min
